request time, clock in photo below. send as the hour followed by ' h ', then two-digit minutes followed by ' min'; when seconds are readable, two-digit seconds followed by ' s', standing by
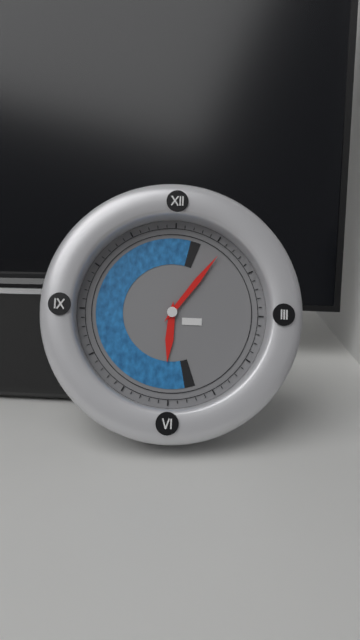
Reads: 6 h 06 min
